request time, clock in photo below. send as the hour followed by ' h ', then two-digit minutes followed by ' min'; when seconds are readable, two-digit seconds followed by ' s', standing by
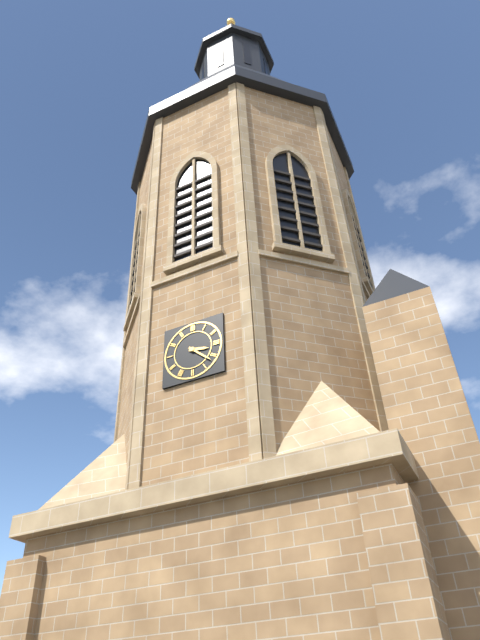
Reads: 3 h 22 min
